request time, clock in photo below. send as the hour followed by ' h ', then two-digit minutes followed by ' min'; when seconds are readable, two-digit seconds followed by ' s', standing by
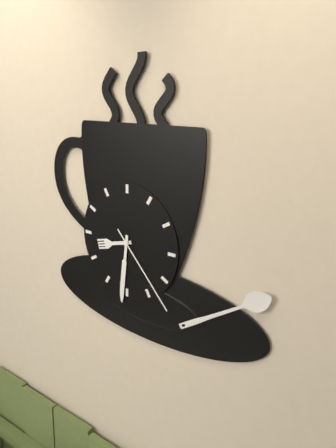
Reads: 8 h 31 min 23 s
